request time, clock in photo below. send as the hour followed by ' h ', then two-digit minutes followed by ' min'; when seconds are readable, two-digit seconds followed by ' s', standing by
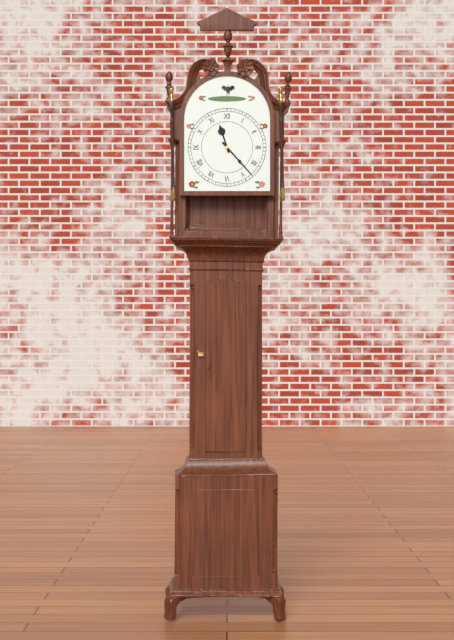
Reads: 11 h 23 min
